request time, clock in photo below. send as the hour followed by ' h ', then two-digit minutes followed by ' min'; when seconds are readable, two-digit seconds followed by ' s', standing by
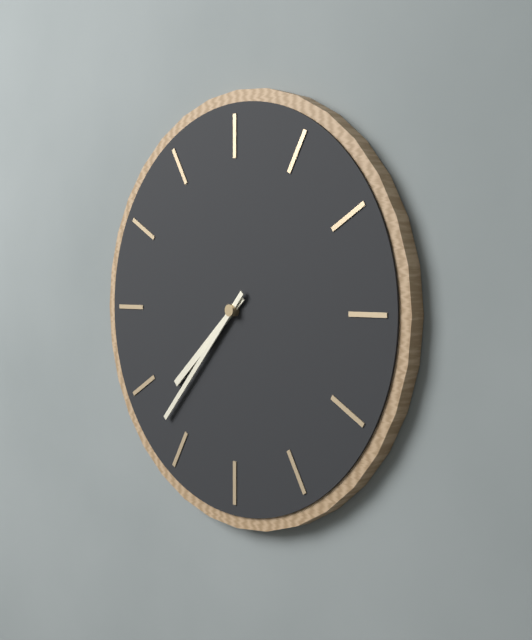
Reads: 7 h 37 min
